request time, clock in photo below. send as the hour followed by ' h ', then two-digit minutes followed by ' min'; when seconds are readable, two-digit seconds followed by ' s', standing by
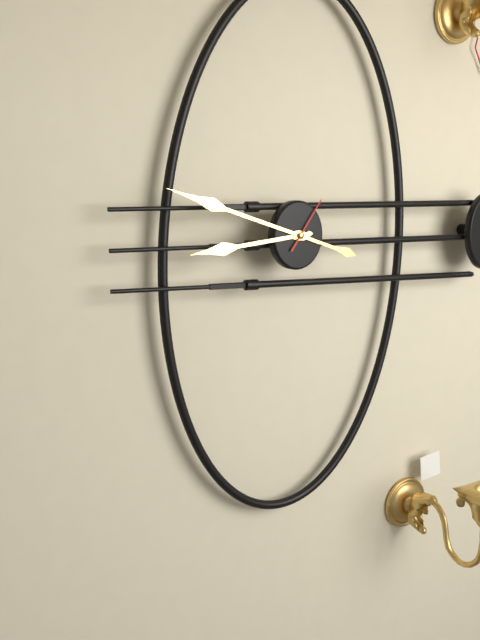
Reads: 8 h 48 min 06 s
